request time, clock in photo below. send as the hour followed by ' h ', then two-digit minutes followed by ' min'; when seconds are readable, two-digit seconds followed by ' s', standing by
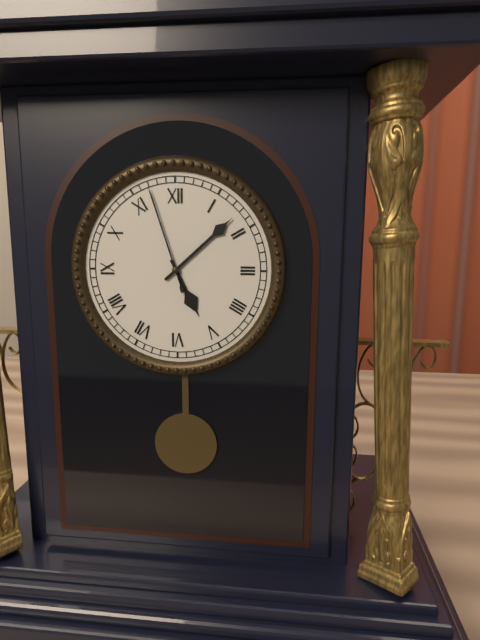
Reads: 5 h 08 min 57 s
